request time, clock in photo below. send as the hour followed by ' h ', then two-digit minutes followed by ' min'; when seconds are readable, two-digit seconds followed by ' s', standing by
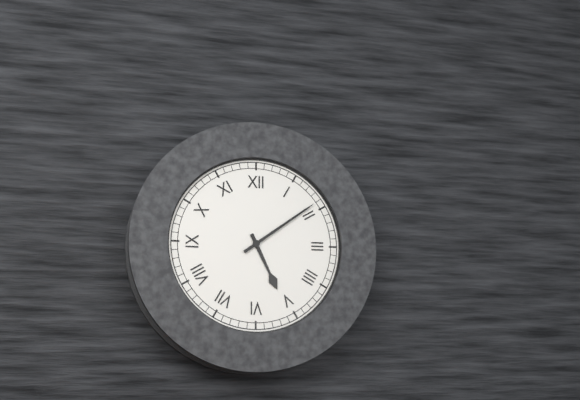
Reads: 5 h 09 min
